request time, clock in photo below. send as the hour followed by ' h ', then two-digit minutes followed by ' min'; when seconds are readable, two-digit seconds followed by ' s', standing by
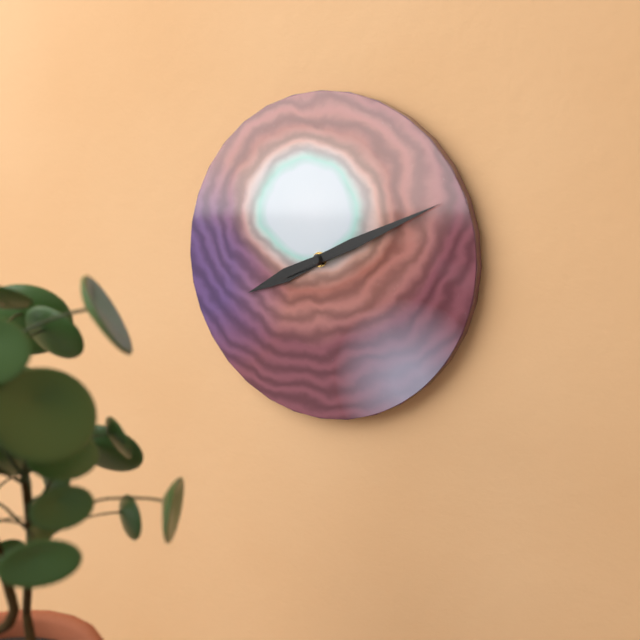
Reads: 8 h 11 min
